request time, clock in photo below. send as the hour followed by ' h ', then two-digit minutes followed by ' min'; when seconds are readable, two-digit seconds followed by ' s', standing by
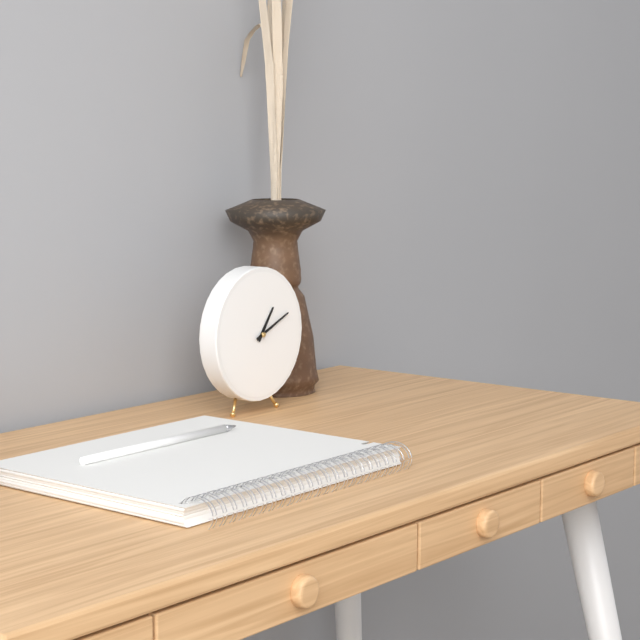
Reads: 1 h 11 min
